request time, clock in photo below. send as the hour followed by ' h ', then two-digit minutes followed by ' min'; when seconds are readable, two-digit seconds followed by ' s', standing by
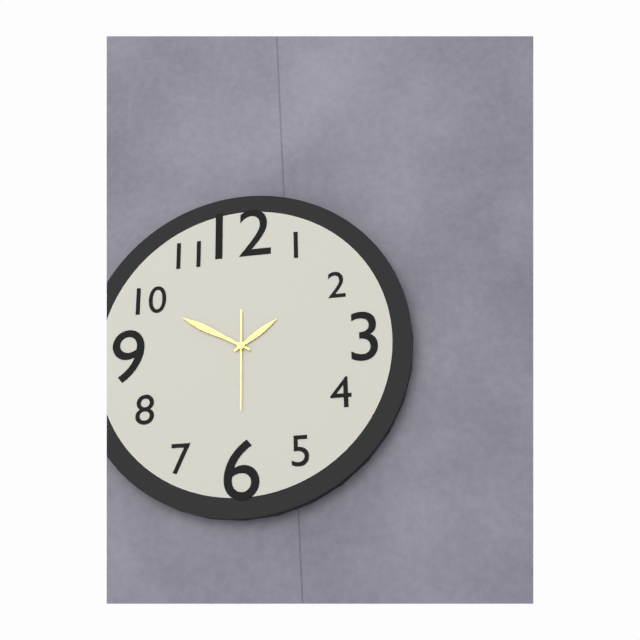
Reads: 1 h 50 min 30 s
